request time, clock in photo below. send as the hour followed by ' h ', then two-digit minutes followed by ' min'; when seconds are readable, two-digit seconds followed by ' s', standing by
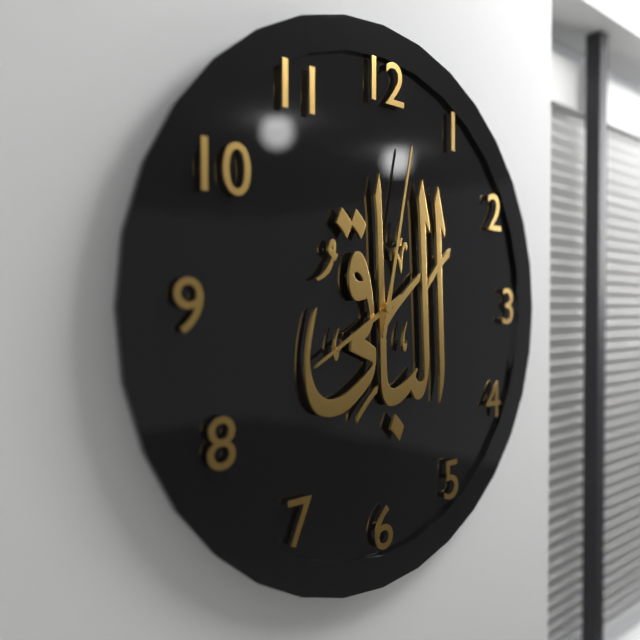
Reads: 8 h 02 min
